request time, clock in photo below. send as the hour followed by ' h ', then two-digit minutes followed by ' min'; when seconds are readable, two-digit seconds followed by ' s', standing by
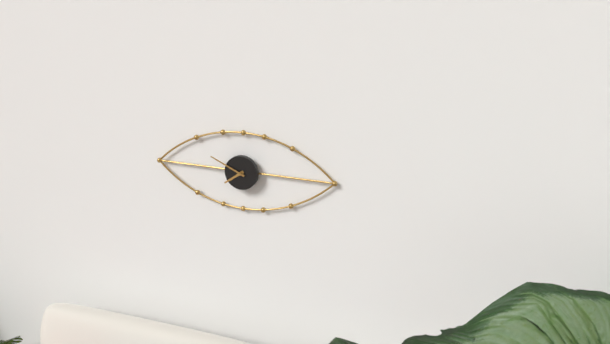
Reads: 7 h 49 min
